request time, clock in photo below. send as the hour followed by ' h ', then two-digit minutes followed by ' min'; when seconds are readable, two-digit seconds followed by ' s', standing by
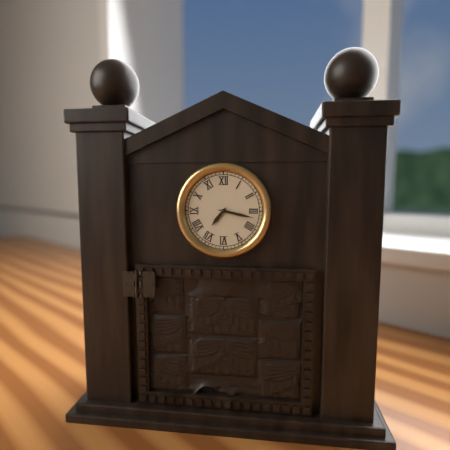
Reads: 7 h 17 min
